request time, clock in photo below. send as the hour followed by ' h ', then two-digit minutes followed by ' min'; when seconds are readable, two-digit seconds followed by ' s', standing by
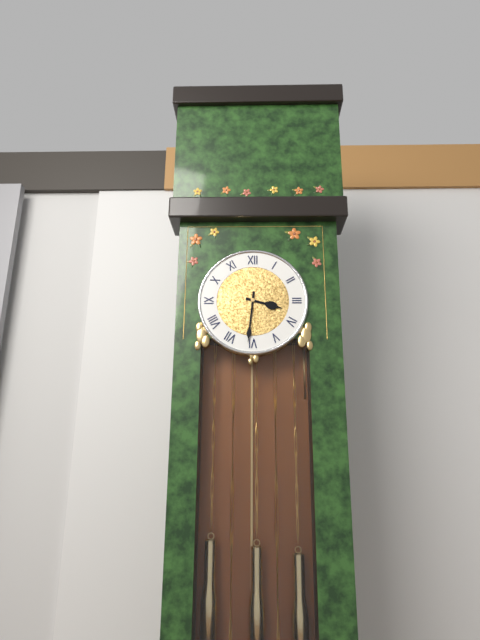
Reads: 3 h 31 min
